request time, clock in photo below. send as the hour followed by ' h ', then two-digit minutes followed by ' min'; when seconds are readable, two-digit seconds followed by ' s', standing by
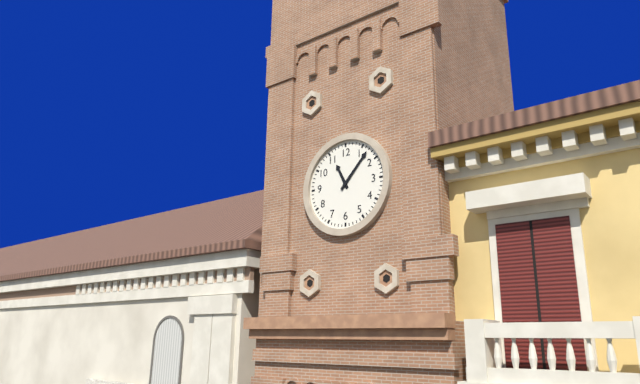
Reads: 11 h 07 min
